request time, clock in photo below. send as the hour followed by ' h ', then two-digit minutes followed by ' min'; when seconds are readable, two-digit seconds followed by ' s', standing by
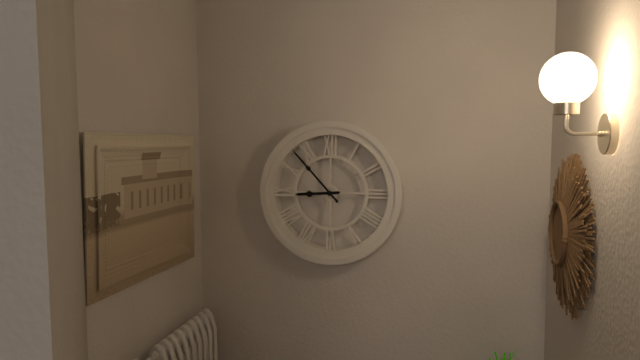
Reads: 8 h 53 min
